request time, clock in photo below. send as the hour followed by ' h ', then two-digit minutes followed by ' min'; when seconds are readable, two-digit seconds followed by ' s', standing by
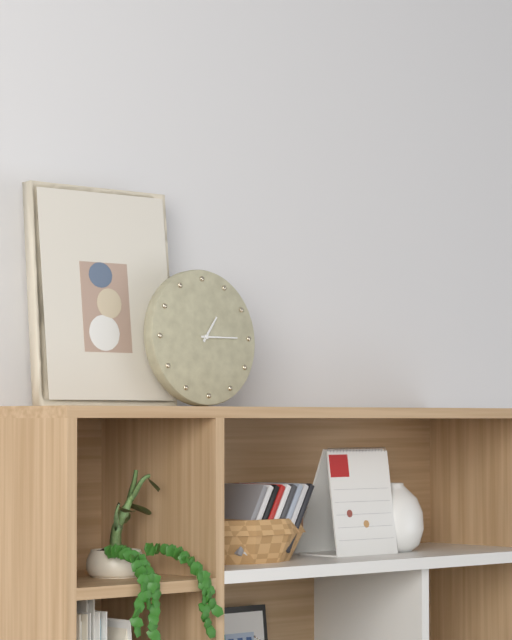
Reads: 1 h 15 min
